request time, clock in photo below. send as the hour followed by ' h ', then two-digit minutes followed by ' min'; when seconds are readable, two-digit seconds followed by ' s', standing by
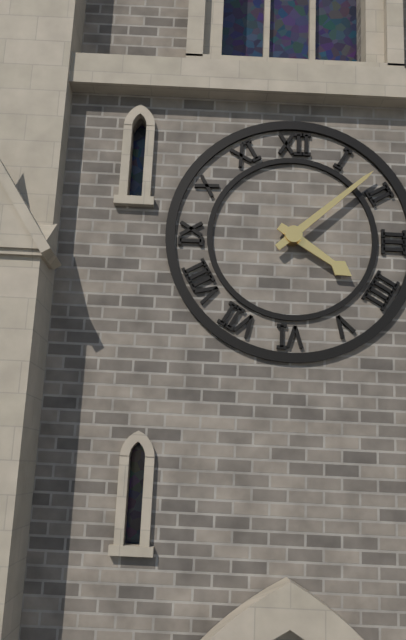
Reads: 4 h 08 min
